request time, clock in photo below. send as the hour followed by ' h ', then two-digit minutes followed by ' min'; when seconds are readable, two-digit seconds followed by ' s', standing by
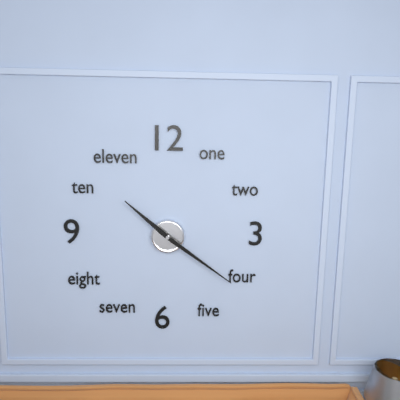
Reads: 10 h 21 min
